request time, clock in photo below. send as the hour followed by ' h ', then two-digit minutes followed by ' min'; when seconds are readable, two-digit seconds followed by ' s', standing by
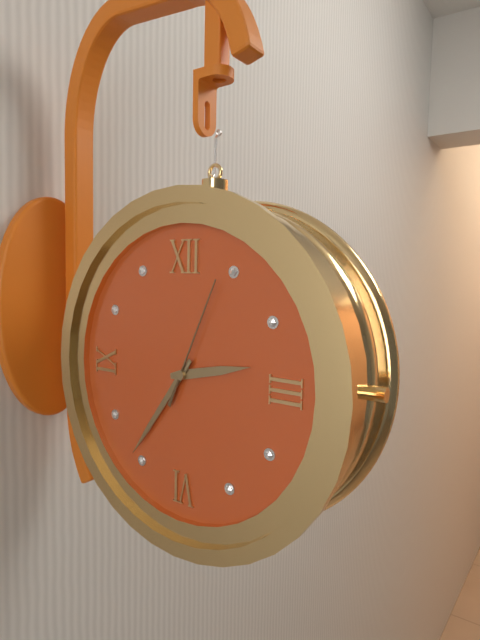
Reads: 2 h 36 min 04 s
